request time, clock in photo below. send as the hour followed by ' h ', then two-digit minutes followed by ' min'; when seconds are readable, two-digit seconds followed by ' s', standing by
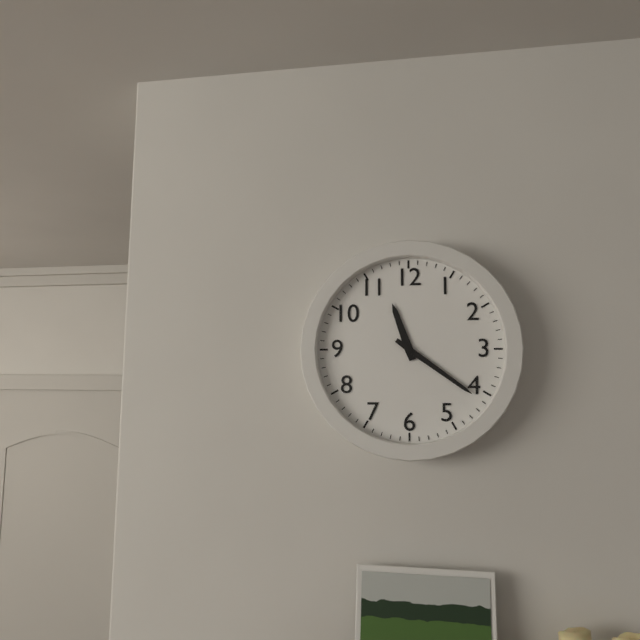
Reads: 11 h 21 min
